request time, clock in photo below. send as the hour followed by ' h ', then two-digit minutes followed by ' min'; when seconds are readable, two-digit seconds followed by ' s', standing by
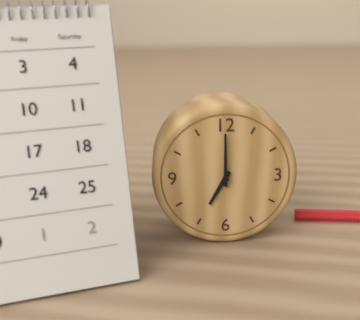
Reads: 7 h 00 min
